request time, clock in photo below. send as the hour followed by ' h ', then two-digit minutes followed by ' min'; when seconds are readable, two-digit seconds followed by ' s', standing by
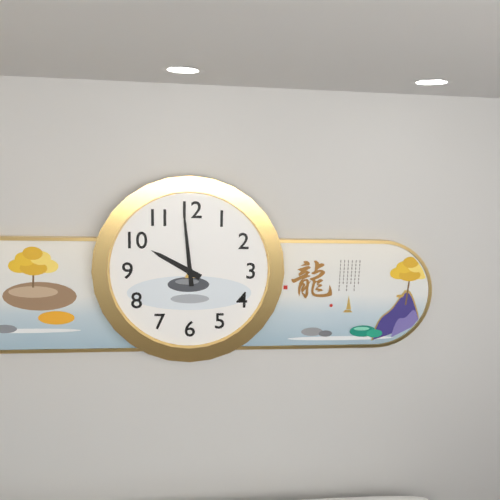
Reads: 9 h 59 min
